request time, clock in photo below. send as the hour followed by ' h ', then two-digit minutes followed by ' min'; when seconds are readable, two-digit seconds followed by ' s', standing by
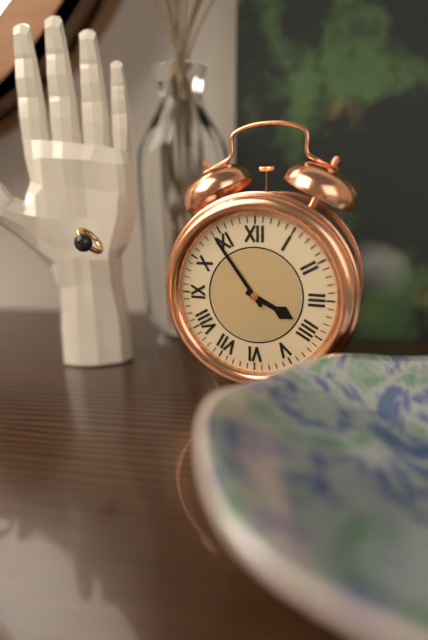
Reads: 3 h 54 min
